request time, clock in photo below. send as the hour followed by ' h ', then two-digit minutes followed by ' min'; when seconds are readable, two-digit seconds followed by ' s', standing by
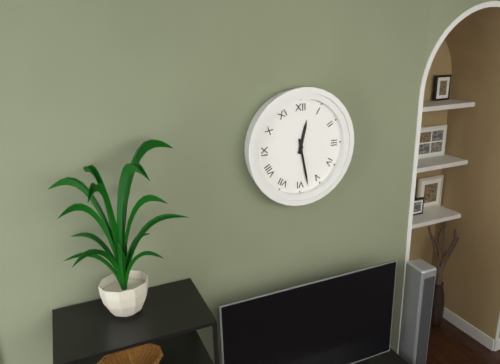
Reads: 12 h 28 min
